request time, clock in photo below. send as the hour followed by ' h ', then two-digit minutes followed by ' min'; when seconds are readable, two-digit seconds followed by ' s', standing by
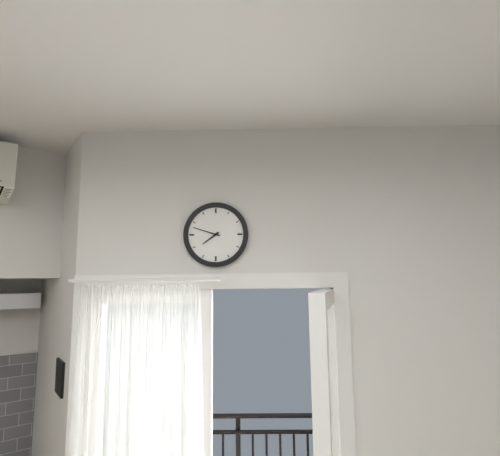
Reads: 7 h 48 min
